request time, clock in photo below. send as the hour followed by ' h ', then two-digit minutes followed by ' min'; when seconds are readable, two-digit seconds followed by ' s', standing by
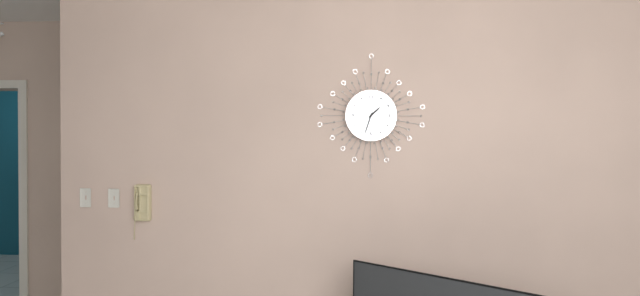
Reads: 1 h 33 min
